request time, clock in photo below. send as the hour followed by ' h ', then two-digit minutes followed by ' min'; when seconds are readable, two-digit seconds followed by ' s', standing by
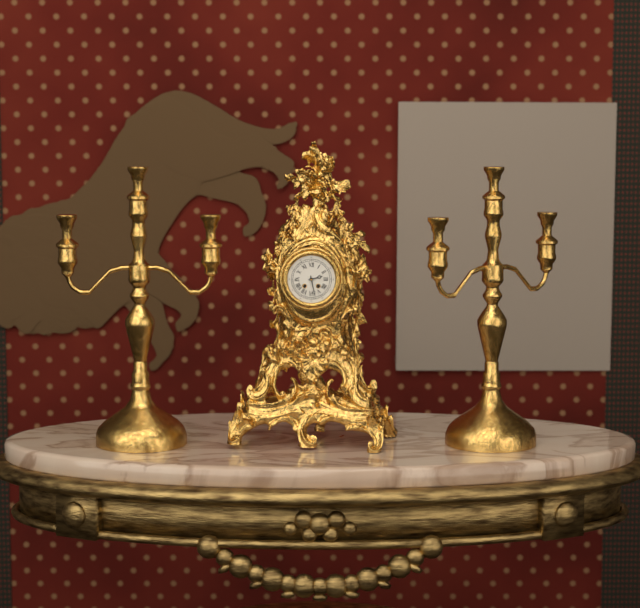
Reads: 2 h 28 min
